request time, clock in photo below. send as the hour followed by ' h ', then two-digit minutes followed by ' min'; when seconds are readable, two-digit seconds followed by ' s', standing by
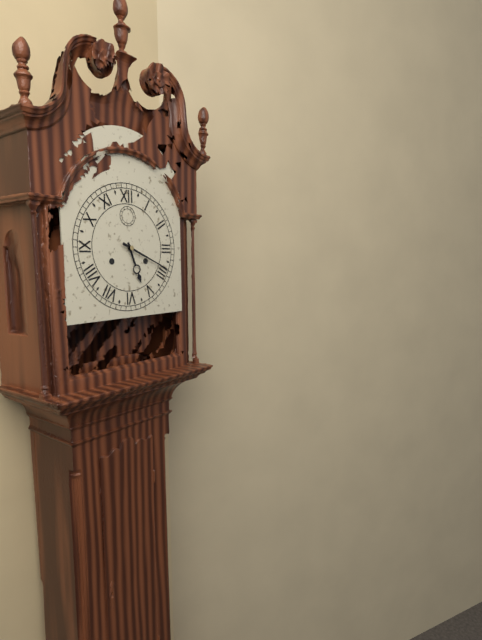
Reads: 5 h 19 min
